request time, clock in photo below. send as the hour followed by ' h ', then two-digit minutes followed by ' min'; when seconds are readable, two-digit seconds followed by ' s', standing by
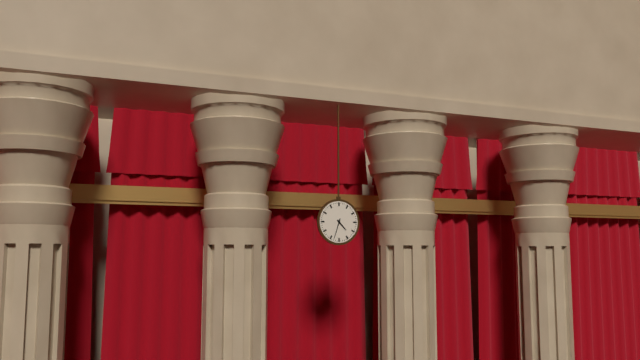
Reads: 4 h 33 min
